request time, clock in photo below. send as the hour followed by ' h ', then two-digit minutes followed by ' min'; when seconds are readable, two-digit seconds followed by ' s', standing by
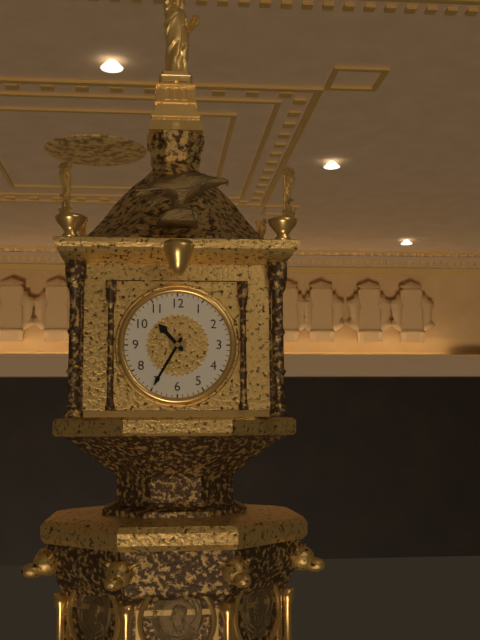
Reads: 10 h 35 min
